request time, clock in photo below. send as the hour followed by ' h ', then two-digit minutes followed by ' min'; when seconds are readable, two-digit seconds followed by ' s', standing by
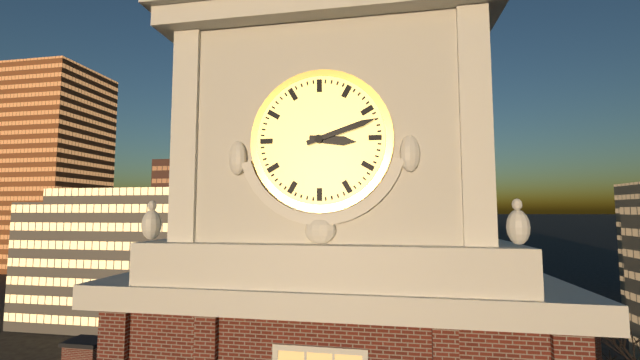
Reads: 3 h 12 min
